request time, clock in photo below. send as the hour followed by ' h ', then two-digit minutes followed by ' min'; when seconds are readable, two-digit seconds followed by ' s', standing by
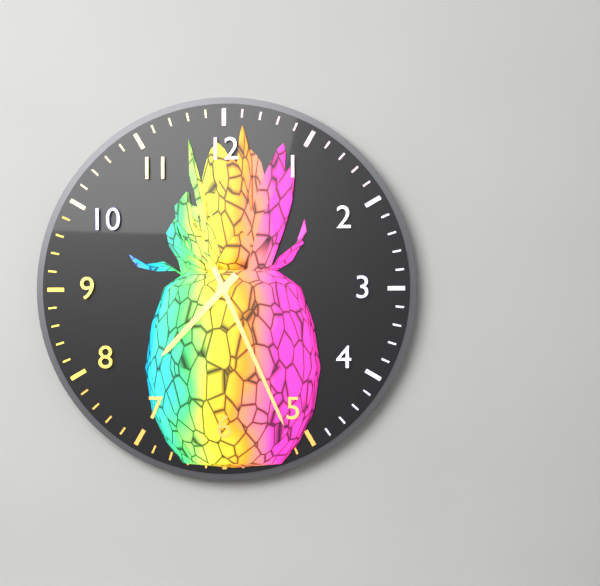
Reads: 7 h 26 min
